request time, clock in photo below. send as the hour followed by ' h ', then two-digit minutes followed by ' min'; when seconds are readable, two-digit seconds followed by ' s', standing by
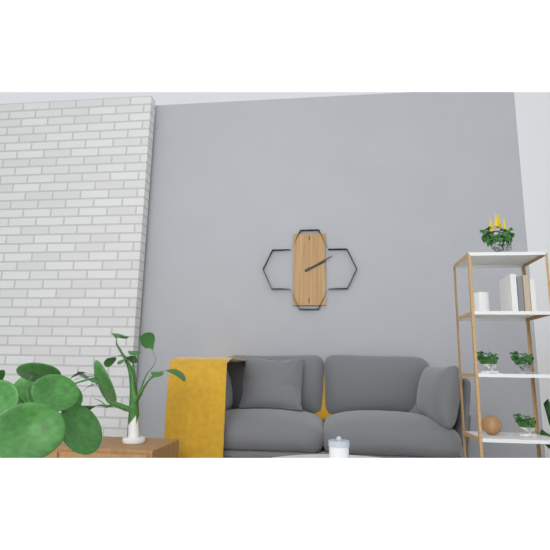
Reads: 2 h 10 min
